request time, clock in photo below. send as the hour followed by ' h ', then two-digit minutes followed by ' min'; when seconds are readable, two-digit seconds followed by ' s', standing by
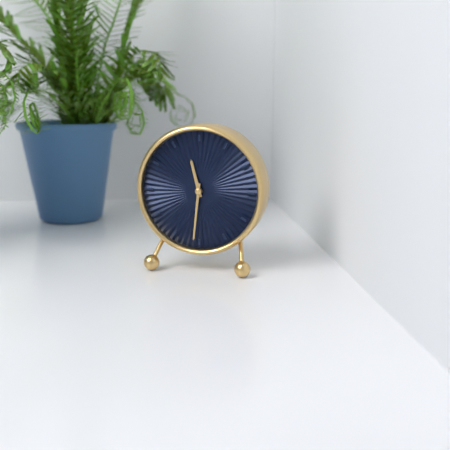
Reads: 11 h 31 min
